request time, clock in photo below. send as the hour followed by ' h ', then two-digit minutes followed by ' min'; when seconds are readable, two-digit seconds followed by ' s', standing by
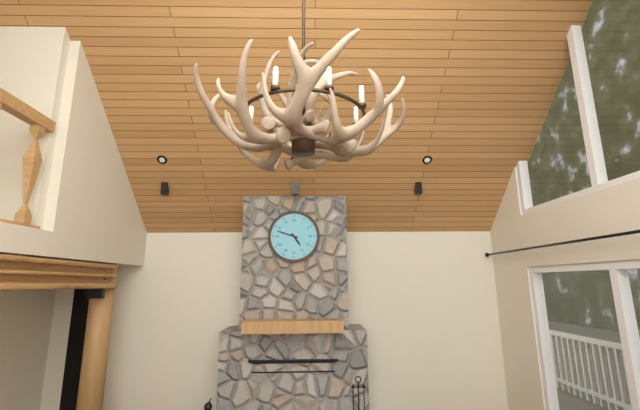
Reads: 4 h 48 min
